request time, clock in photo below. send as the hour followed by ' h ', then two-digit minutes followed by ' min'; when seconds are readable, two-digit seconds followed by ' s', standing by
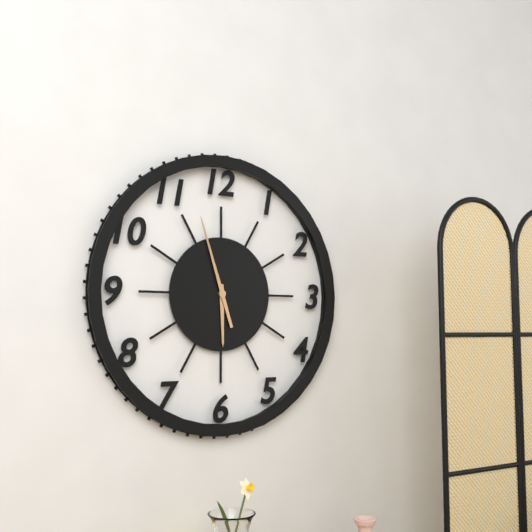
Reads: 5 h 57 min
